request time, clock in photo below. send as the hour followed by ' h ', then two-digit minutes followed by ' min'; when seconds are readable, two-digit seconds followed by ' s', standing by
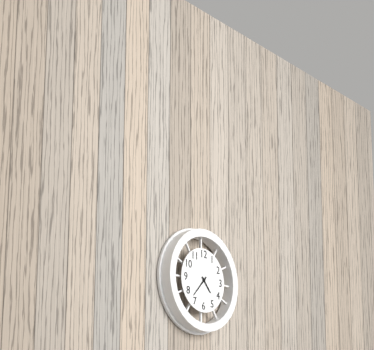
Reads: 4 h 37 min
